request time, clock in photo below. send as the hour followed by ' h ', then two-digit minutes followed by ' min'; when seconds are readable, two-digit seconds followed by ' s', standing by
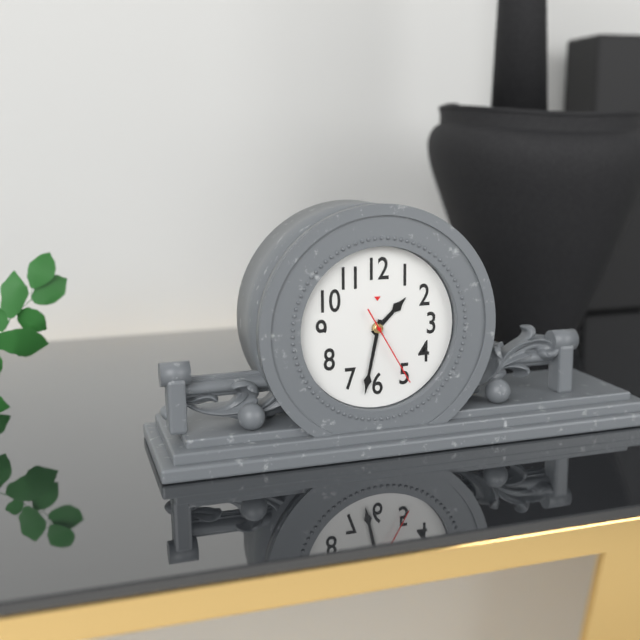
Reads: 1 h 32 min 25 s
